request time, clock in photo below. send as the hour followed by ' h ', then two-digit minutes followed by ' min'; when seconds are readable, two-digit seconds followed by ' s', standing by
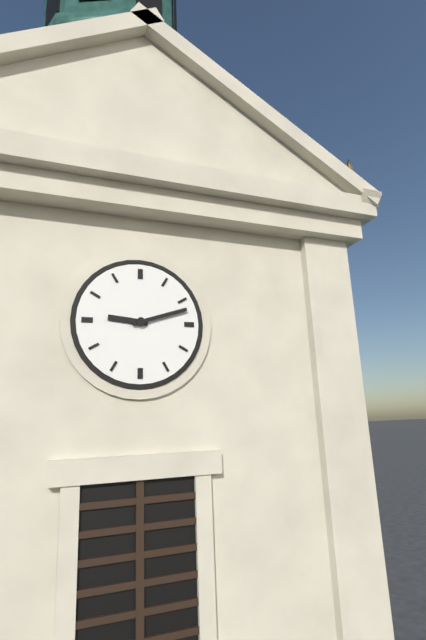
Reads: 9 h 12 min
